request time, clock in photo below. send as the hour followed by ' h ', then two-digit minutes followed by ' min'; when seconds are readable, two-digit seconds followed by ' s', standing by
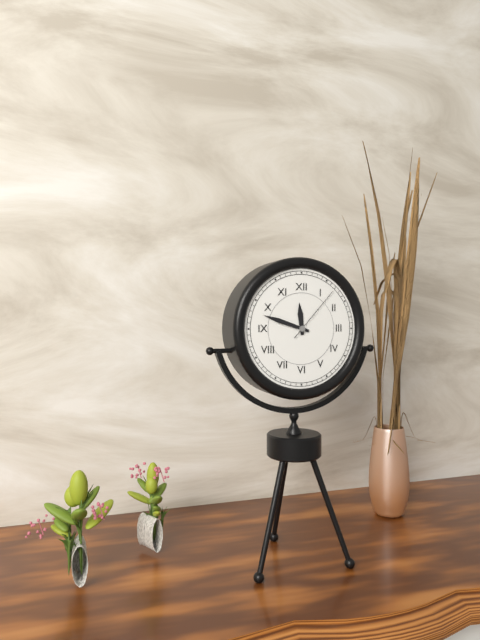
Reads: 11 h 48 min 07 s
